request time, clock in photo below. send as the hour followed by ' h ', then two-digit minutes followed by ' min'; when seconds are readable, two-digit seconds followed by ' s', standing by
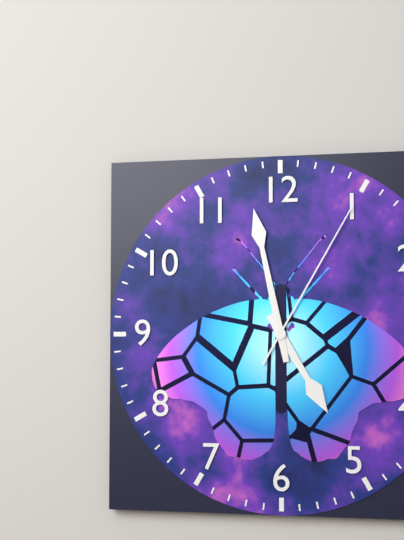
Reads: 4 h 58 min 05 s
